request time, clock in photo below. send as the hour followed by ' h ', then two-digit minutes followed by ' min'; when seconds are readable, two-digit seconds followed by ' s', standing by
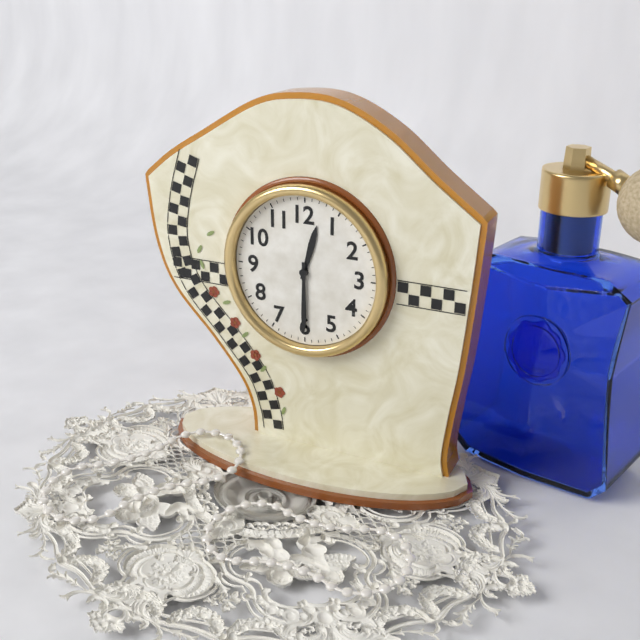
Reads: 12 h 30 min
